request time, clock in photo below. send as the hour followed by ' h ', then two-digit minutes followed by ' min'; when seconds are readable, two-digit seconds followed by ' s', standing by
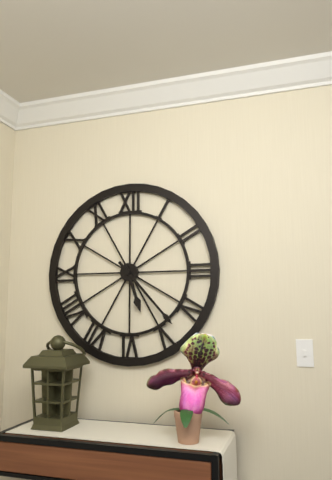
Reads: 5 h 23 min
